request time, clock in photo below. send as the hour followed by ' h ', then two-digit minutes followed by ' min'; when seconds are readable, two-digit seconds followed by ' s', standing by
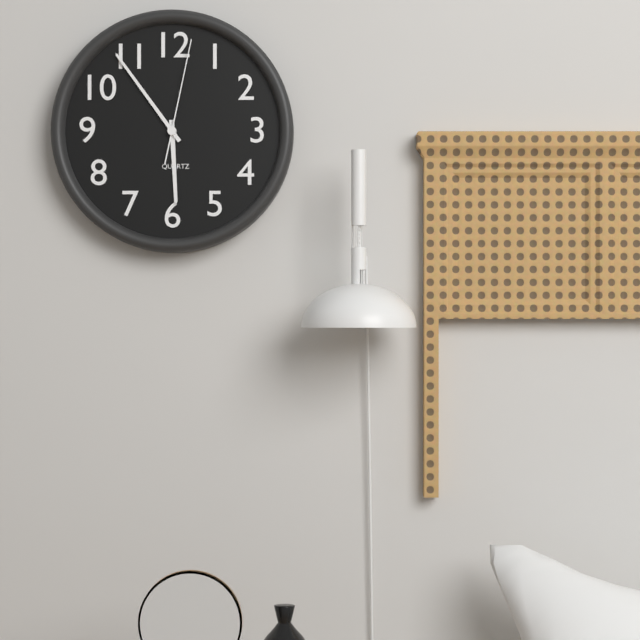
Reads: 5 h 54 min 02 s
